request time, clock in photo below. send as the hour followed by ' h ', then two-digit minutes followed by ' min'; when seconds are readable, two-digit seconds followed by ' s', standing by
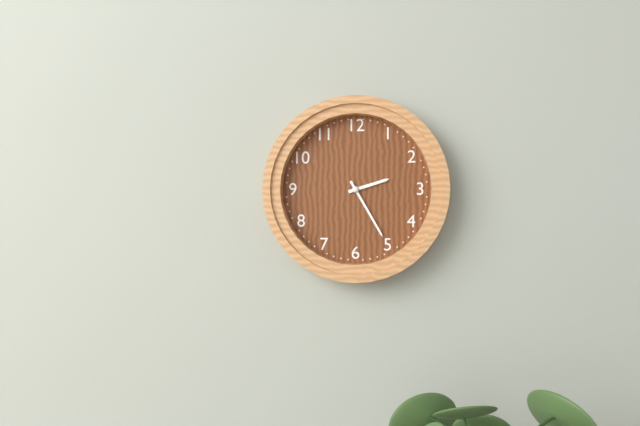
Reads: 2 h 25 min
